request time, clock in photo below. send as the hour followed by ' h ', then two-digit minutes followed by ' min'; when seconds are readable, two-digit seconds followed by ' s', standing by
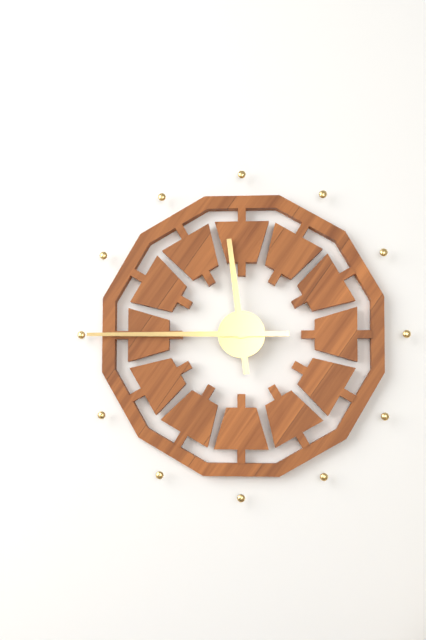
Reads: 11 h 45 min
